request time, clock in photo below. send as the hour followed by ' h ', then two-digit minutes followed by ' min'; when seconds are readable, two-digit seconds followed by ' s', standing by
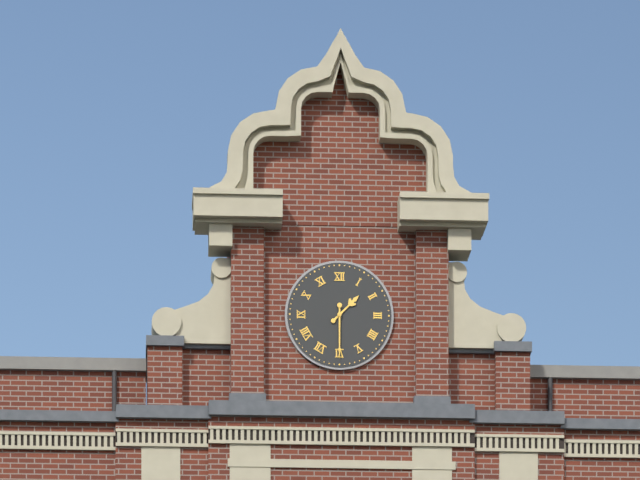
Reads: 1 h 30 min
